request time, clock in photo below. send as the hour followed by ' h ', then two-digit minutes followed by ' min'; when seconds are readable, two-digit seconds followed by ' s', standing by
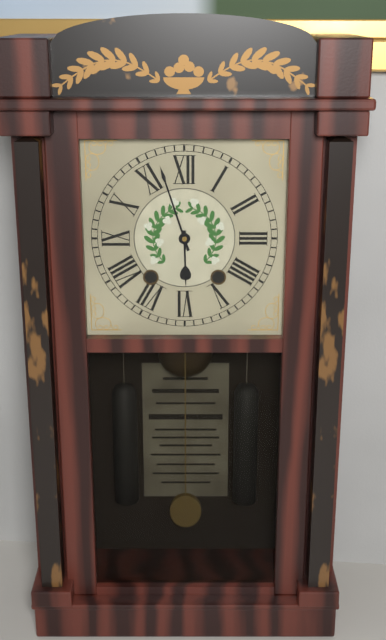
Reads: 5 h 57 min
